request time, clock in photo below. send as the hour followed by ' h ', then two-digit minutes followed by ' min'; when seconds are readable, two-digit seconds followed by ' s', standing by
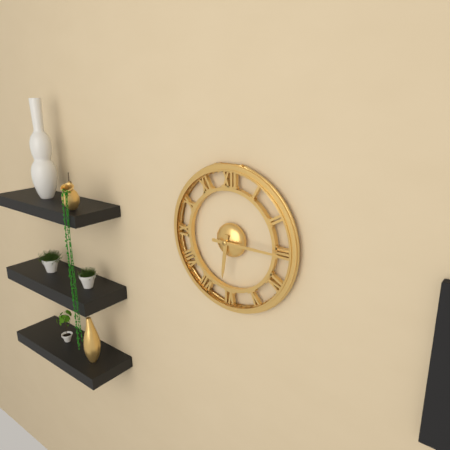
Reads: 6 h 15 min
